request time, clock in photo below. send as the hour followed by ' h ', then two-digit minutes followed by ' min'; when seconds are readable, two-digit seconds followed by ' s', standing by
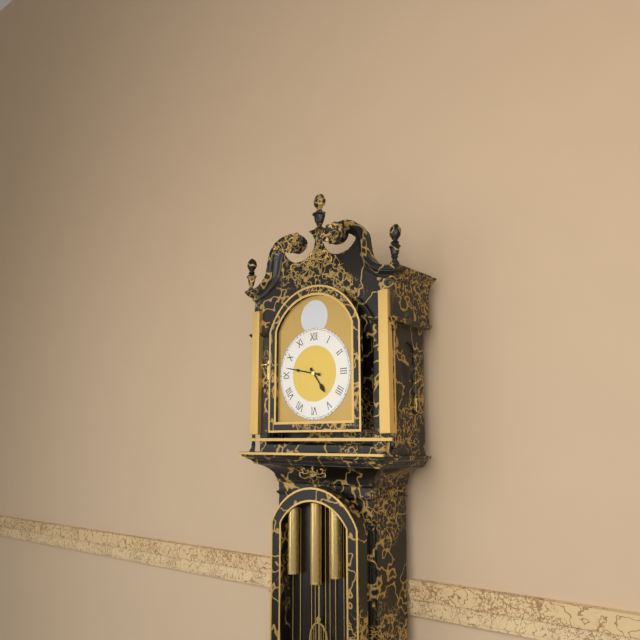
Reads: 4 h 47 min
